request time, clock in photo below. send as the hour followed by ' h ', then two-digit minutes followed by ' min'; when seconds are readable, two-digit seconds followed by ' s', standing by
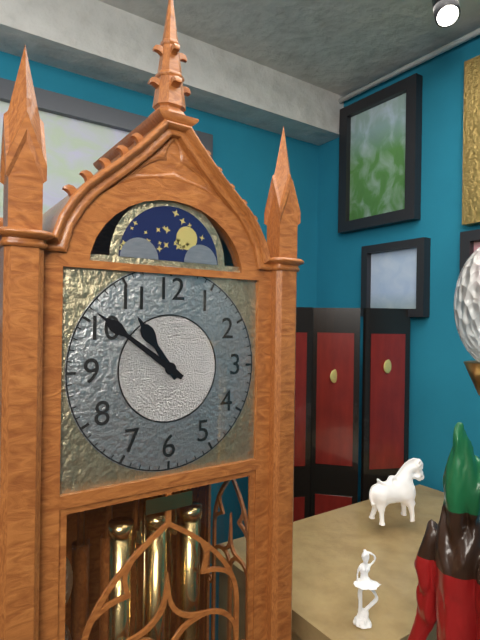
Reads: 10 h 51 min
